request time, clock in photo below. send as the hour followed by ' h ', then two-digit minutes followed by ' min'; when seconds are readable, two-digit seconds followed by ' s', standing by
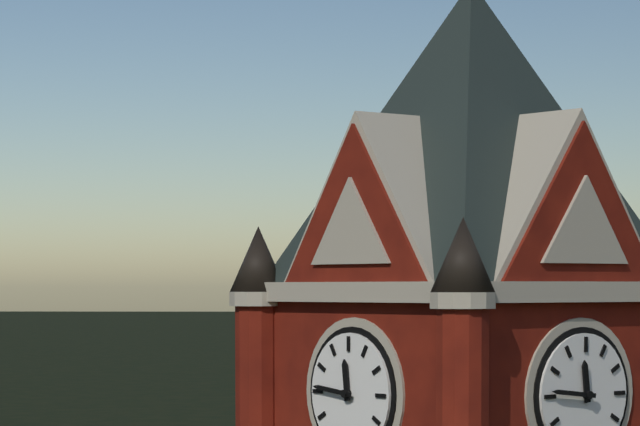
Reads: 11 h 46 min
